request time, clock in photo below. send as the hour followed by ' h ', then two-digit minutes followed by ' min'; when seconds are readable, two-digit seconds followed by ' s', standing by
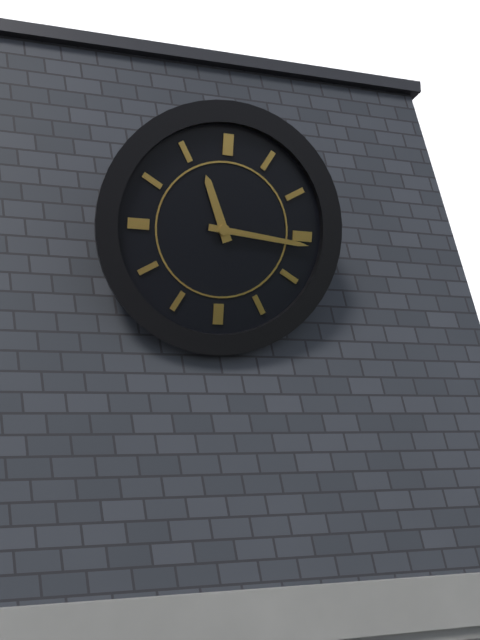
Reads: 11 h 16 min
